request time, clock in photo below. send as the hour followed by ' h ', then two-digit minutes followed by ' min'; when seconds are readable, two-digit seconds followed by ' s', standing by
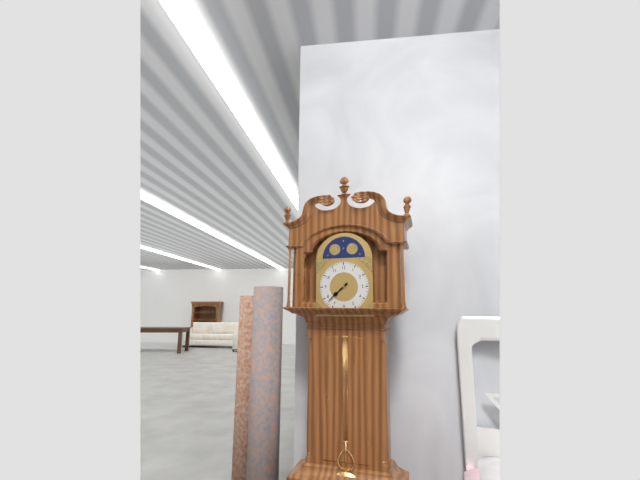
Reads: 7 h 38 min
